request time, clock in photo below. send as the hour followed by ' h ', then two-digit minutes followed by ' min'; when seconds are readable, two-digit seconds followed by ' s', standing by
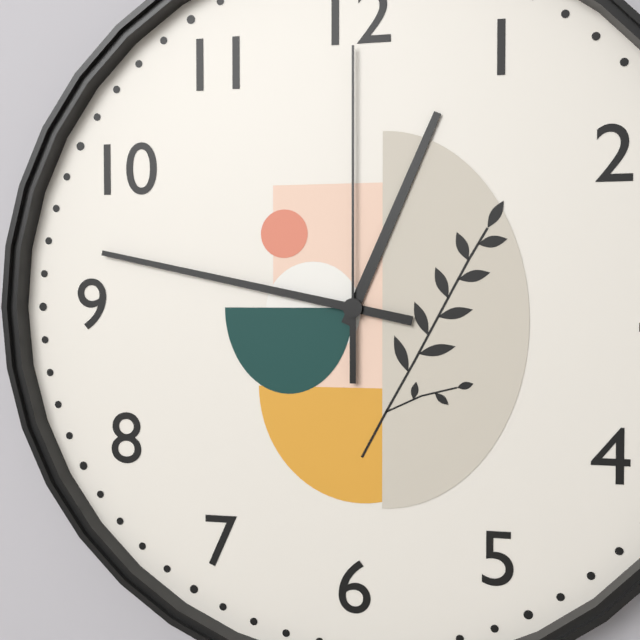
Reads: 12 h 47 min 00 s
